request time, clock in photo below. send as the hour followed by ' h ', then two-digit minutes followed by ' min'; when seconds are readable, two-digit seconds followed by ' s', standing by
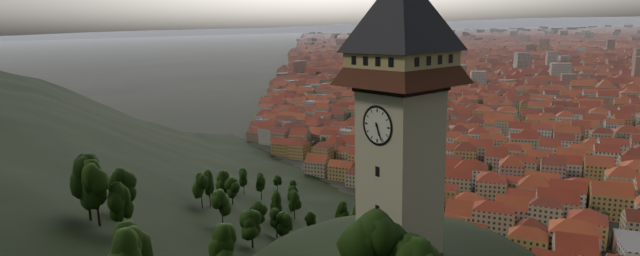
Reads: 5 h 26 min
